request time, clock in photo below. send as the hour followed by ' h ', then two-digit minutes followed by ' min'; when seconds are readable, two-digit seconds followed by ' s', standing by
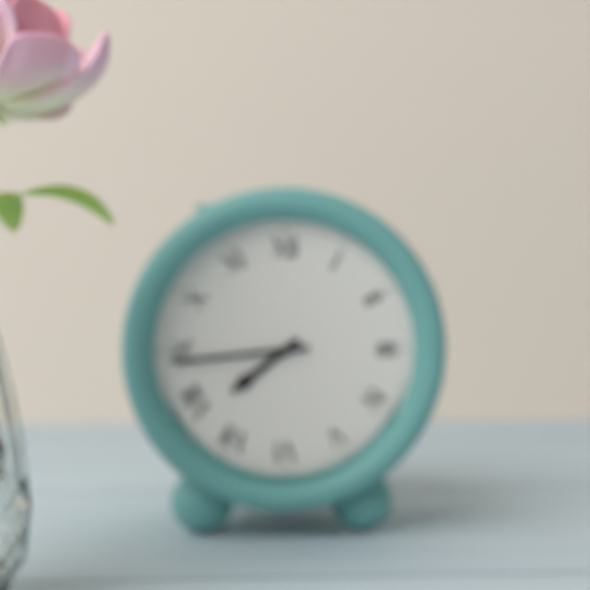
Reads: 7 h 44 min
